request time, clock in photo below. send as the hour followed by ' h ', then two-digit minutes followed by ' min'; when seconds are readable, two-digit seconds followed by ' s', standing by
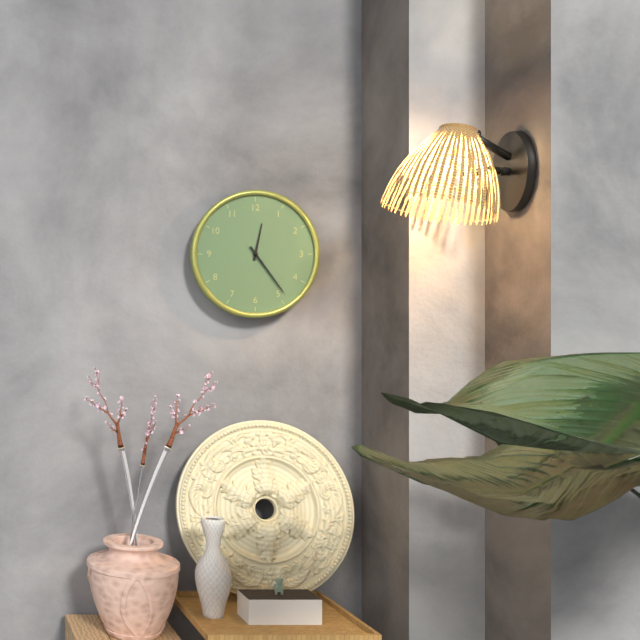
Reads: 12 h 24 min
